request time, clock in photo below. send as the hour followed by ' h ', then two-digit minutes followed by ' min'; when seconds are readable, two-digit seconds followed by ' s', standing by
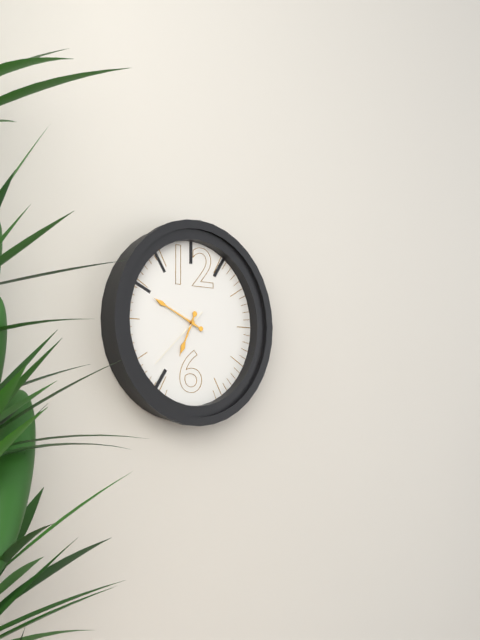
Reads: 6 h 49 min 38 s
